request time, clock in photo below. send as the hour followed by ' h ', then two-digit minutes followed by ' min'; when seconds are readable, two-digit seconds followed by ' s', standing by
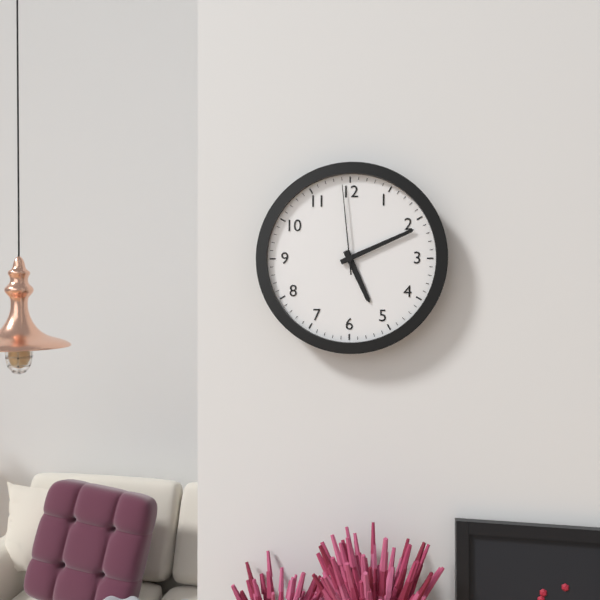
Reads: 5 h 11 min 59 s
